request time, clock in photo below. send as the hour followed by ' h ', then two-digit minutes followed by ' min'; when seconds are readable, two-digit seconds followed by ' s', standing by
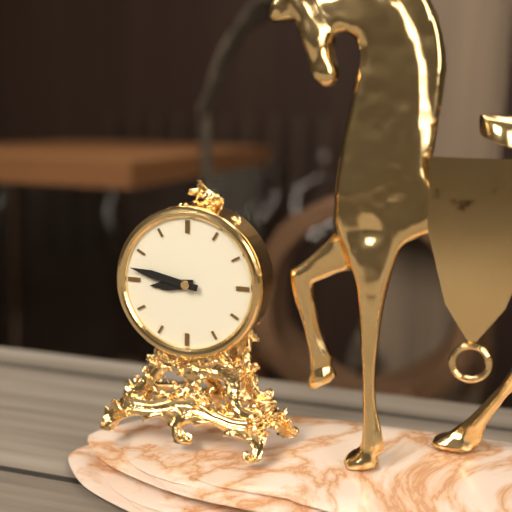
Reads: 8 h 47 min
